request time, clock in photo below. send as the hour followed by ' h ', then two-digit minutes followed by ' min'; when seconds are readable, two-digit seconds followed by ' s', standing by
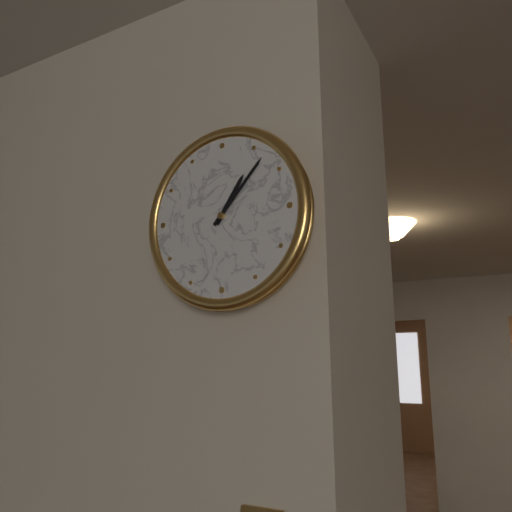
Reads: 1 h 07 min
